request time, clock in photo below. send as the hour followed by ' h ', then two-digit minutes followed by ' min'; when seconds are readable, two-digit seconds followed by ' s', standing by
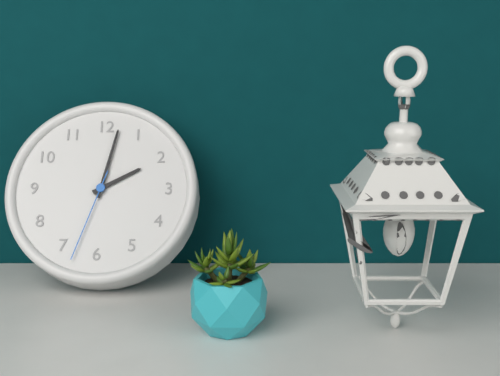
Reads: 2 h 02 min 33 s
